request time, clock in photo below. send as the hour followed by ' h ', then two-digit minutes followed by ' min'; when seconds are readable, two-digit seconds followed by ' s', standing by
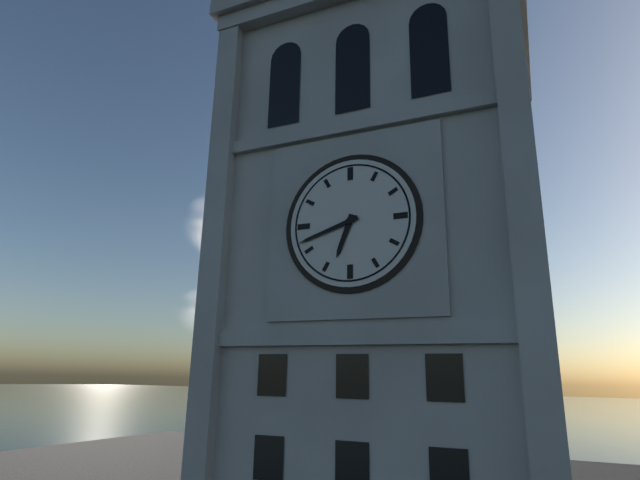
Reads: 6 h 42 min
